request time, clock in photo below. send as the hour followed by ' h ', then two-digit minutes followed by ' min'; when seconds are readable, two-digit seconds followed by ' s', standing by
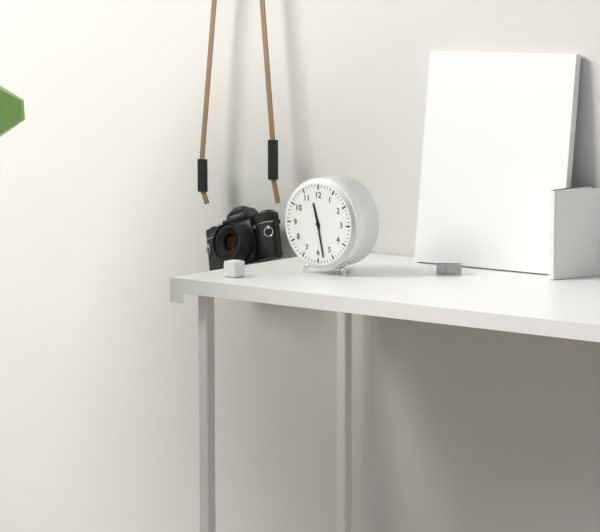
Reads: 11 h 28 min
